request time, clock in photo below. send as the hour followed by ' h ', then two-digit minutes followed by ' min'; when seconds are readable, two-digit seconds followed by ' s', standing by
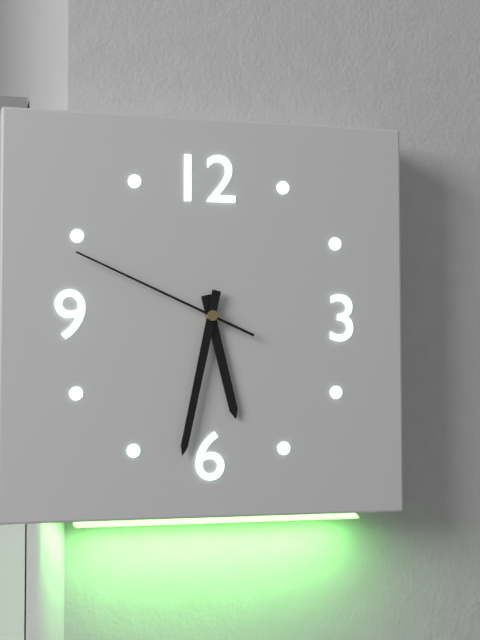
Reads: 5 h 32 min 49 s
